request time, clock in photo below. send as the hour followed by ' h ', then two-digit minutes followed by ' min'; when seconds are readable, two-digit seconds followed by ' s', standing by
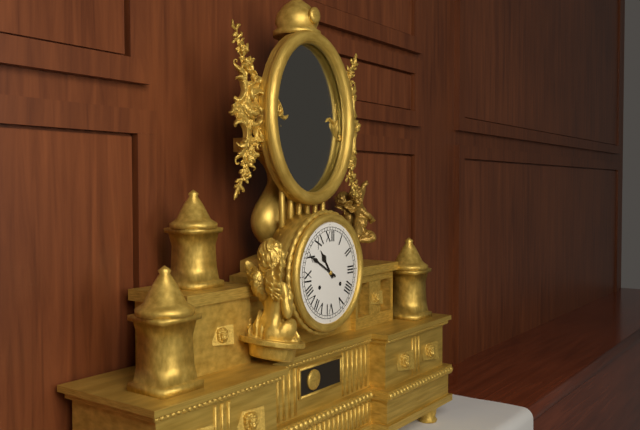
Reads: 10 h 50 min
